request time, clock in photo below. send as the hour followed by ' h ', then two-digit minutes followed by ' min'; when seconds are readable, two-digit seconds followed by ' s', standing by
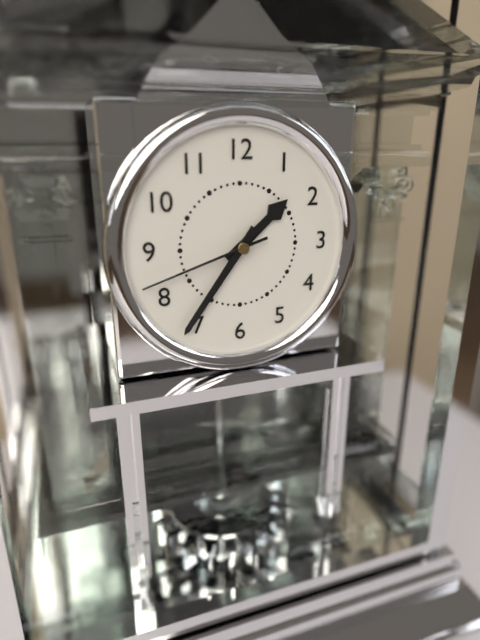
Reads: 1 h 36 min 42 s
